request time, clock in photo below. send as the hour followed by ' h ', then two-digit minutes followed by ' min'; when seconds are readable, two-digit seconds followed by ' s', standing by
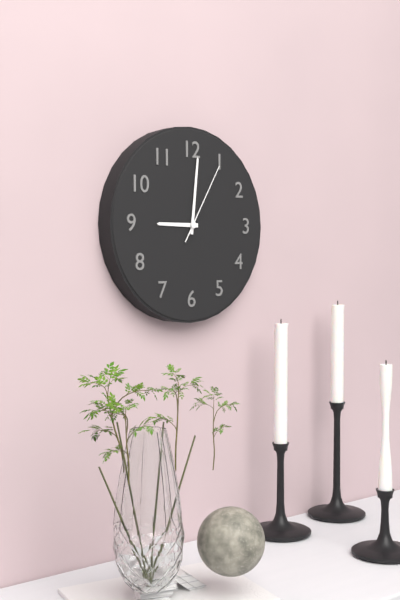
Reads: 9 h 01 min 05 s
